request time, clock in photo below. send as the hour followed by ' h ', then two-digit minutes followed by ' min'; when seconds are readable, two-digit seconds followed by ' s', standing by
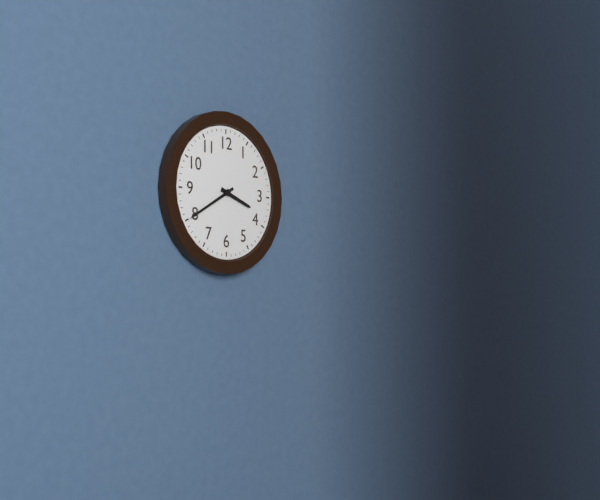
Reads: 3 h 40 min
